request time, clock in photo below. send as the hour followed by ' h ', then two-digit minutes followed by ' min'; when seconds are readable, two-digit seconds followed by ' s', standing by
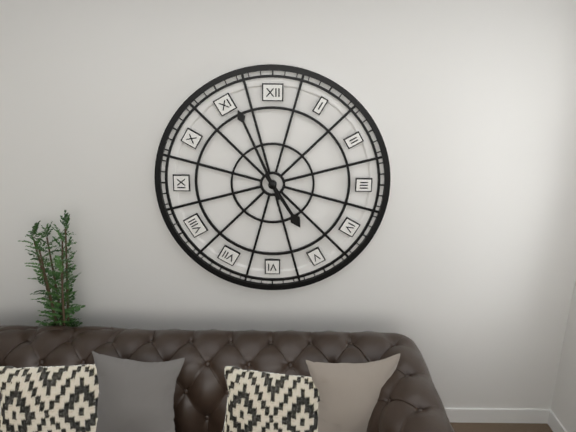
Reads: 4 h 56 min
